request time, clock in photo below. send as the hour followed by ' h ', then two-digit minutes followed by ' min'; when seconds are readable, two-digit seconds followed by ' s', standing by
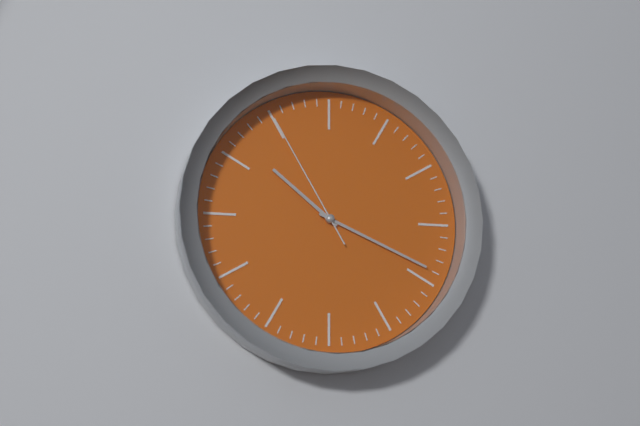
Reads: 10 h 19 min 55 s
